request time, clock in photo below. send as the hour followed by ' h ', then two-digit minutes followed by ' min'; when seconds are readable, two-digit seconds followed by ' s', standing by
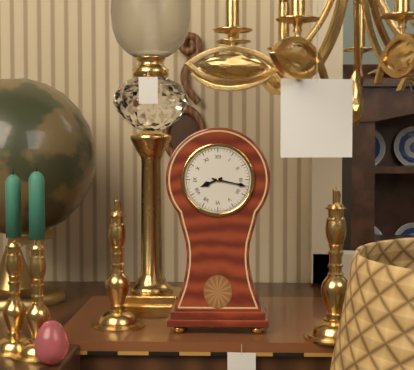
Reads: 8 h 17 min
